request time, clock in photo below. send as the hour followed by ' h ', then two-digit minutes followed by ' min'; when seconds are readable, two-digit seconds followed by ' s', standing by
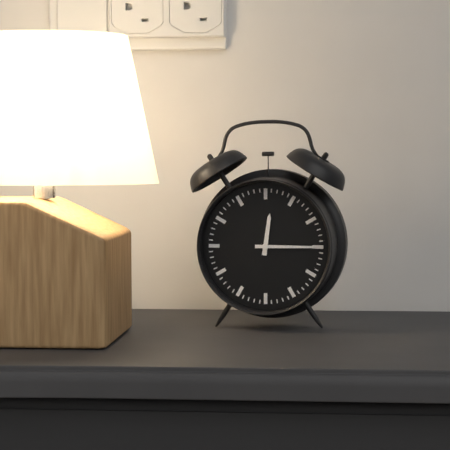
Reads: 12 h 15 min
